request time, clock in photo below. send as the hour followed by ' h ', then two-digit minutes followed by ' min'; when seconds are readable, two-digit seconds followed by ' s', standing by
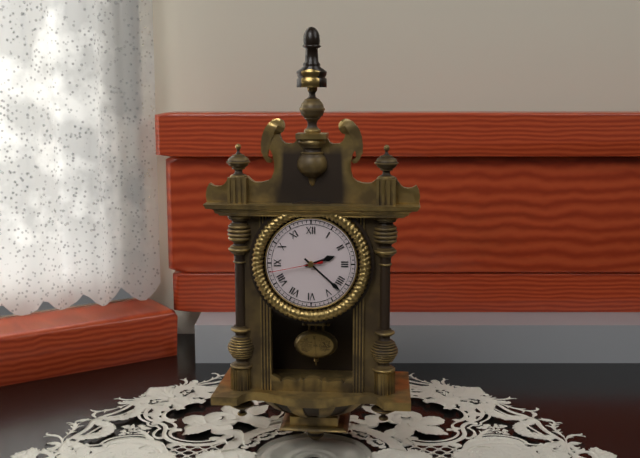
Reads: 2 h 22 min 43 s
